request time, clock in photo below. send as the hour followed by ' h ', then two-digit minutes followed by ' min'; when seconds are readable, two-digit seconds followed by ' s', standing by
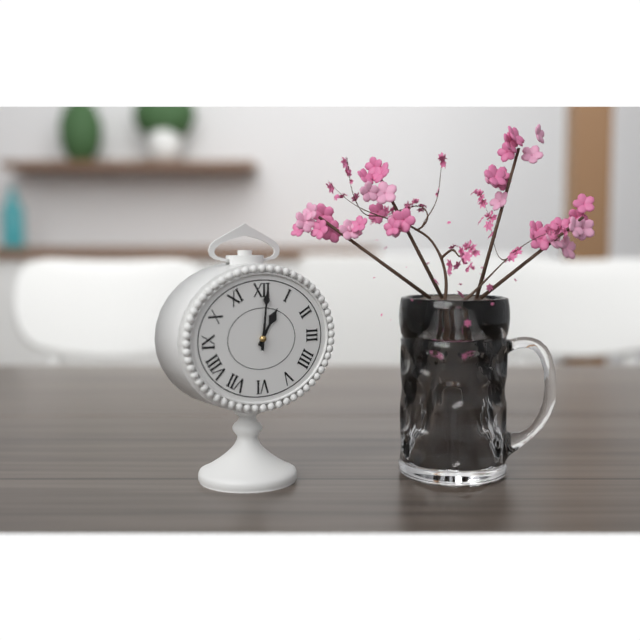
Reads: 1 h 01 min
